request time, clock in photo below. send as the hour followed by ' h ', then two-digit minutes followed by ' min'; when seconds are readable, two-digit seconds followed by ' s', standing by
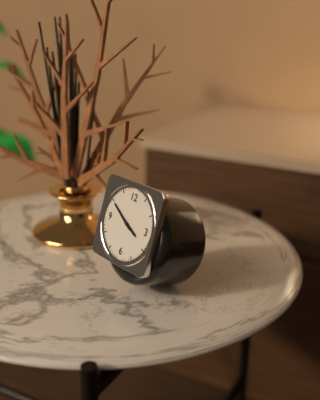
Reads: 3 h 50 min
